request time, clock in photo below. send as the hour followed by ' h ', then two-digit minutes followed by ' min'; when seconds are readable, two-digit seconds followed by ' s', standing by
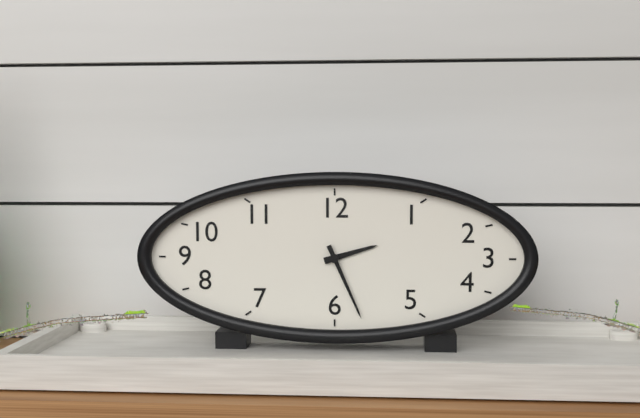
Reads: 2 h 26 min
